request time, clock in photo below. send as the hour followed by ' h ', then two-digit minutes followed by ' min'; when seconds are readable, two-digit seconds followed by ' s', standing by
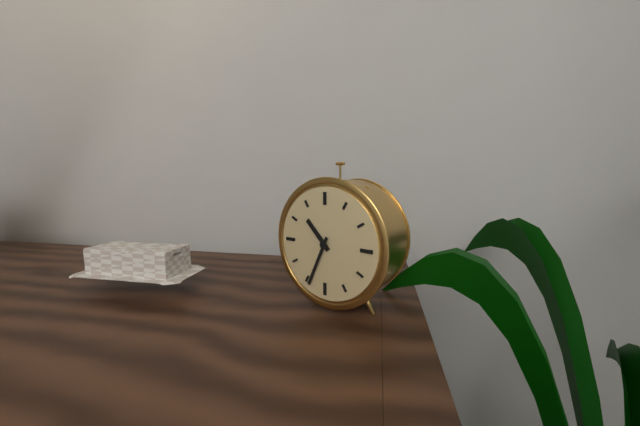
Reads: 10 h 34 min
